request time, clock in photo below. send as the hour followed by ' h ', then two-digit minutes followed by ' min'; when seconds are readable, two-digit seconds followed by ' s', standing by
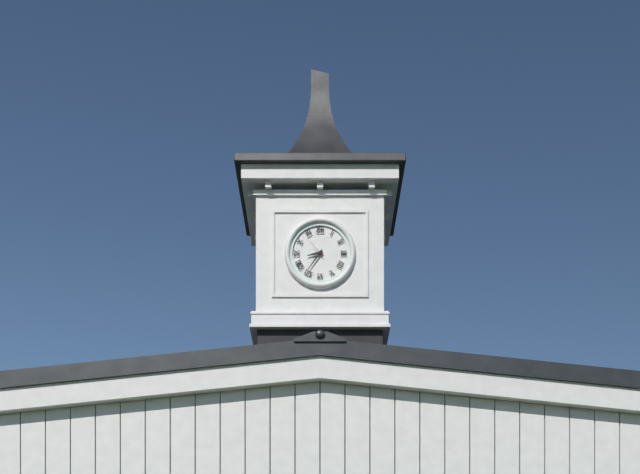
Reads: 8 h 36 min
